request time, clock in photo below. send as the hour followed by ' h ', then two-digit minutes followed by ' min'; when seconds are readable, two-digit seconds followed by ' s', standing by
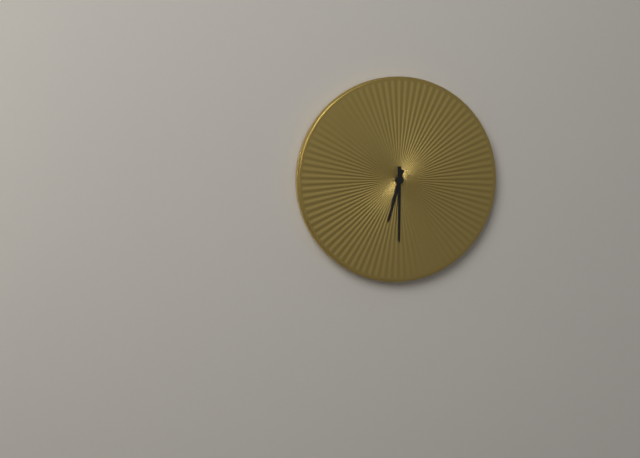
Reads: 6 h 30 min
